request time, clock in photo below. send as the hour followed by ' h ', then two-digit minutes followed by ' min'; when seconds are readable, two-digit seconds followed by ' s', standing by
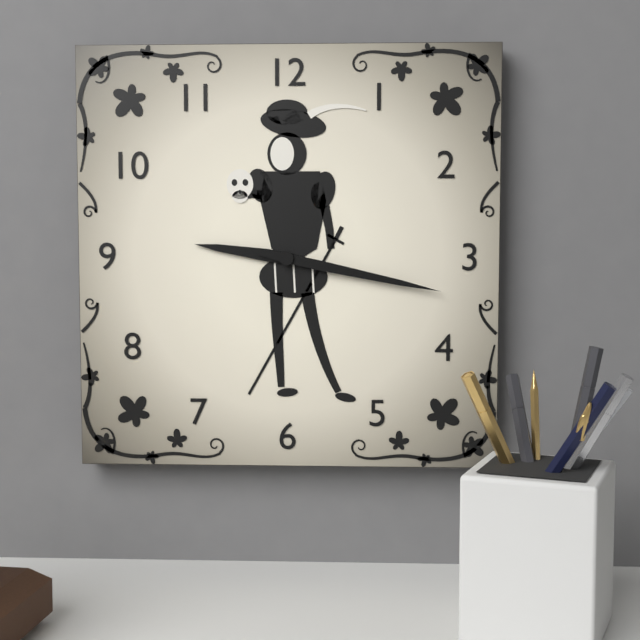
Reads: 9 h 17 min
